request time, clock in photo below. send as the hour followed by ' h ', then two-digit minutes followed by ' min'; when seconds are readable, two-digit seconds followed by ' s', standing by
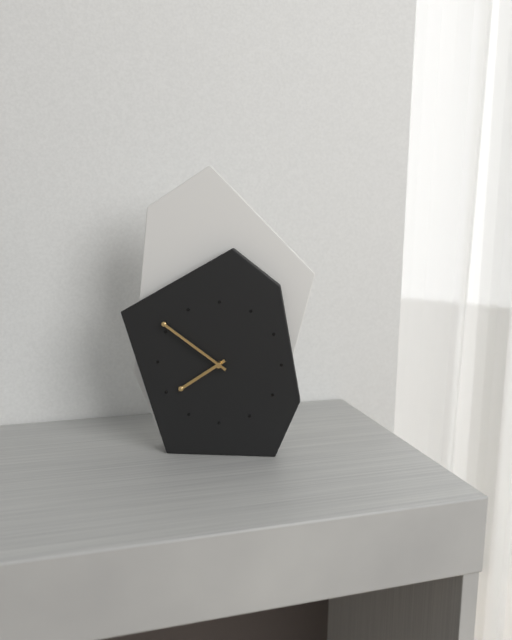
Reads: 7 h 51 min
